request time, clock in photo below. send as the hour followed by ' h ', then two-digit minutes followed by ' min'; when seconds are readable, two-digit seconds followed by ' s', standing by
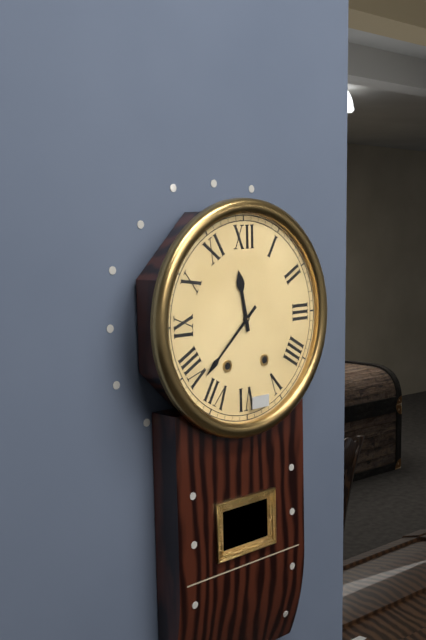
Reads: 11 h 38 min
